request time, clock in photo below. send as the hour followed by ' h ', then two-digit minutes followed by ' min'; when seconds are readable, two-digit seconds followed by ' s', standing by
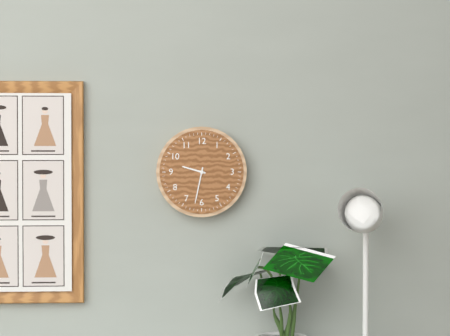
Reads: 9 h 32 min
